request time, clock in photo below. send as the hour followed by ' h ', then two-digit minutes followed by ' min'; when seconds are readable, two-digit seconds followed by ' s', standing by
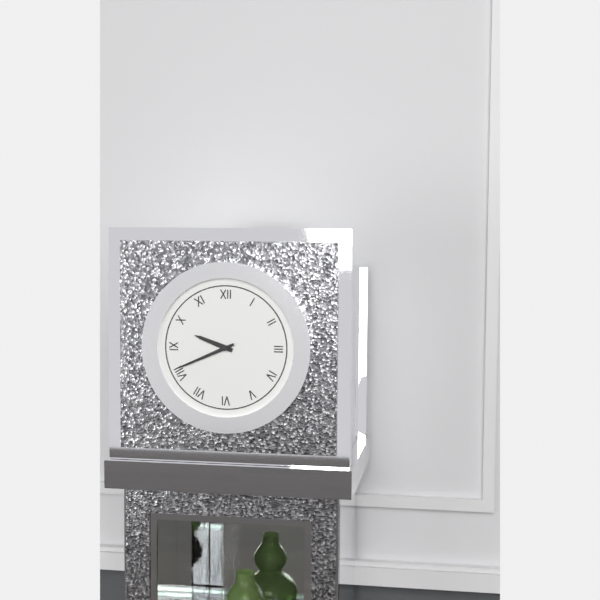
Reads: 9 h 41 min
